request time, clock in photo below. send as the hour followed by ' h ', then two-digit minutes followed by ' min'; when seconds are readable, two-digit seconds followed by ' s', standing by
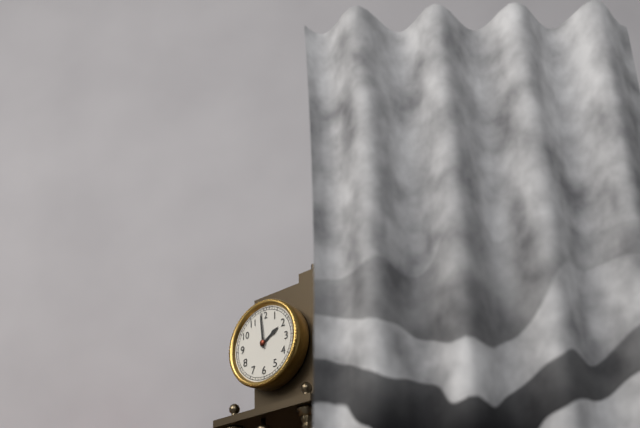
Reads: 1 h 59 min
